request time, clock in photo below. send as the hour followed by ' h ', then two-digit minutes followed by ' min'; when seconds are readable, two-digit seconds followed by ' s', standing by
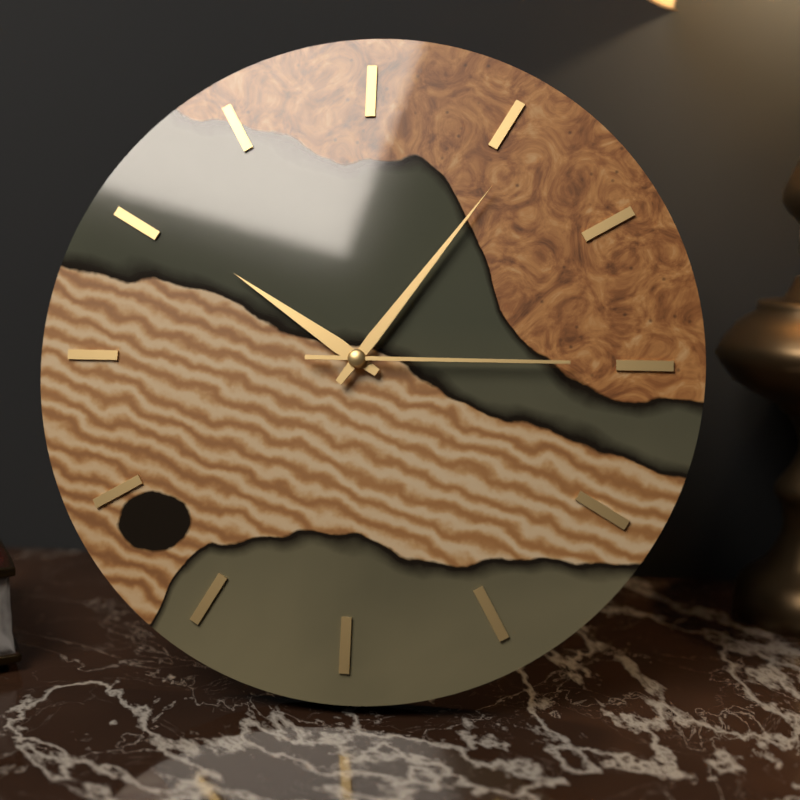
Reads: 10 h 06 min 15 s
